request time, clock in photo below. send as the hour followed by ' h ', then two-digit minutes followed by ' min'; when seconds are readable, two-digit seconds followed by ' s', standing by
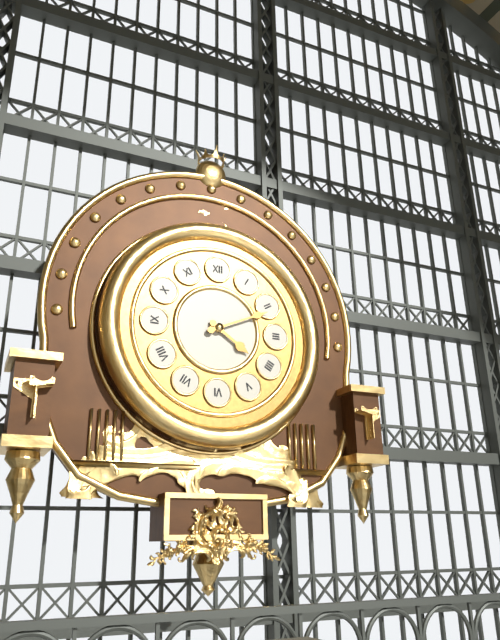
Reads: 4 h 11 min
